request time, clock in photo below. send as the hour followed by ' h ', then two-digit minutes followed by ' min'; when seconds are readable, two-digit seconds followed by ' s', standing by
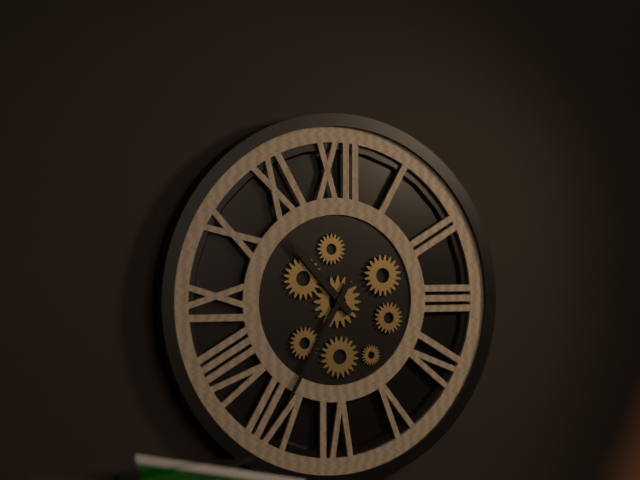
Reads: 10 h 35 min
